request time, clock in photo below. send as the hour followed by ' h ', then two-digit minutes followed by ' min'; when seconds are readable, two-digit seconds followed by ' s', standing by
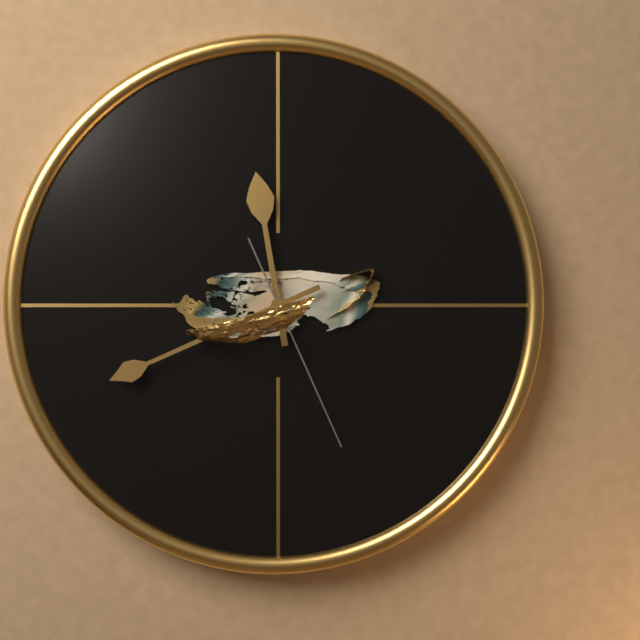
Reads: 11 h 41 min 26 s
